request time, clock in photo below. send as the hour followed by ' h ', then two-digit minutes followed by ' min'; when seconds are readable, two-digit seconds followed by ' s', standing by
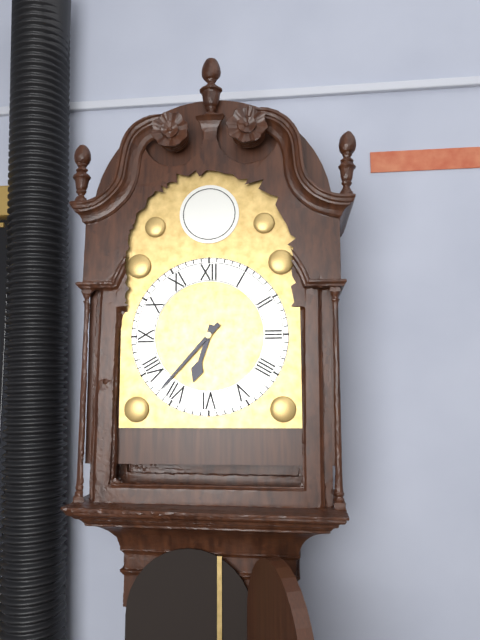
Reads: 6 h 37 min
